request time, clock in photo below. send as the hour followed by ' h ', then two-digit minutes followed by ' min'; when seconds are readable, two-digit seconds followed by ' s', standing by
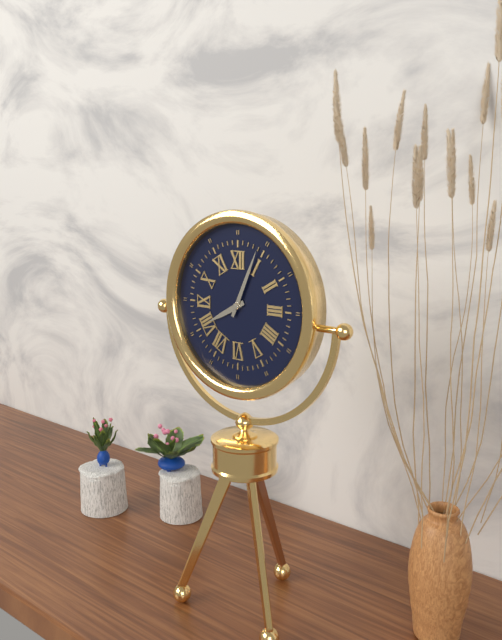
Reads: 8 h 04 min
